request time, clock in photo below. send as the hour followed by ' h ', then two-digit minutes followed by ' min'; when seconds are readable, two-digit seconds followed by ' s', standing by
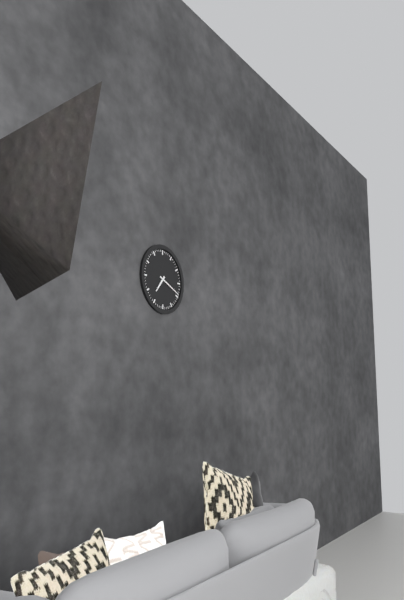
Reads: 7 h 19 min
